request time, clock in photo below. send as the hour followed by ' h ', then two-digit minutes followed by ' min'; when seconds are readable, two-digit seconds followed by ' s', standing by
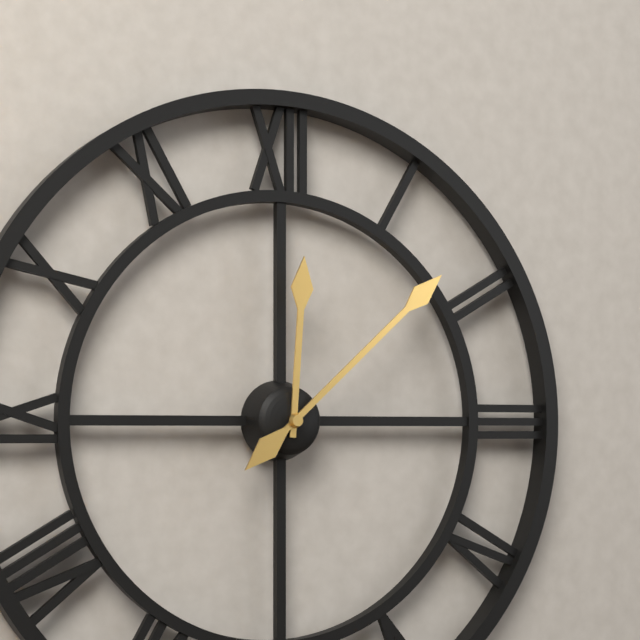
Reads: 12 h 08 min
